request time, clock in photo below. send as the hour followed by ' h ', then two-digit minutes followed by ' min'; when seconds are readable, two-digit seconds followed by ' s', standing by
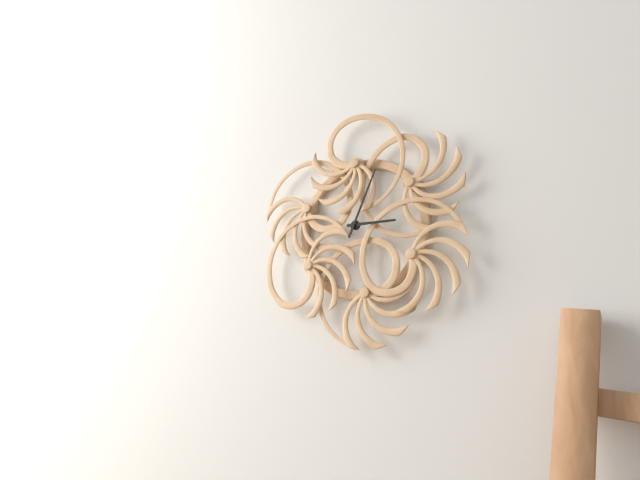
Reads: 3 h 04 min
